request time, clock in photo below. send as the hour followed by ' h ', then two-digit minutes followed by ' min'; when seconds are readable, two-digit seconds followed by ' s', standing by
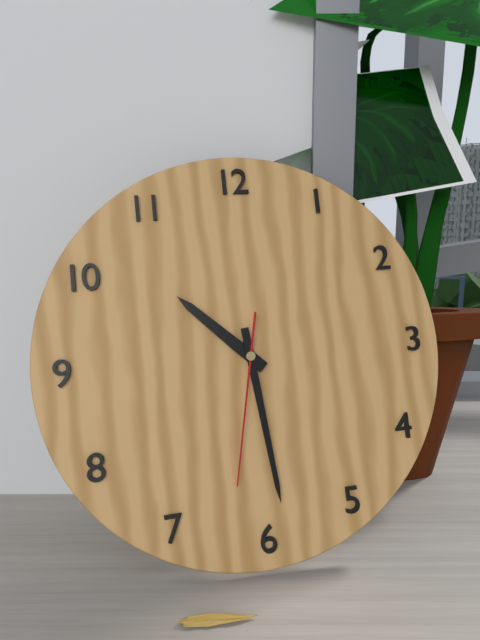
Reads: 10 h 29 min 32 s
